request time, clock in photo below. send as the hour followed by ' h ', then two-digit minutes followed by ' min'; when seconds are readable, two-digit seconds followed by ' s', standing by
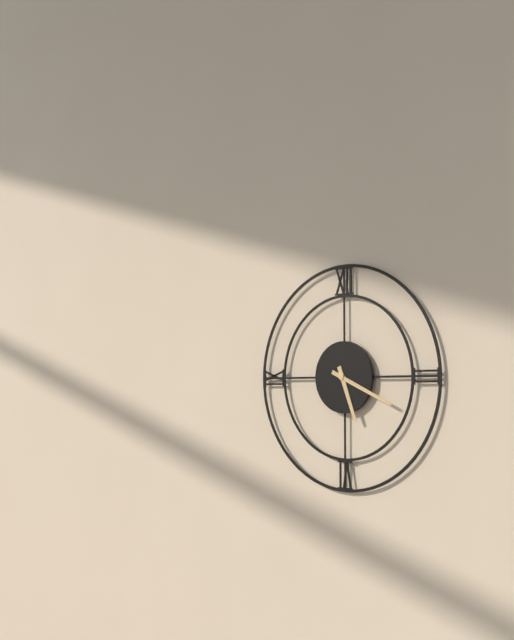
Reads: 5 h 19 min
